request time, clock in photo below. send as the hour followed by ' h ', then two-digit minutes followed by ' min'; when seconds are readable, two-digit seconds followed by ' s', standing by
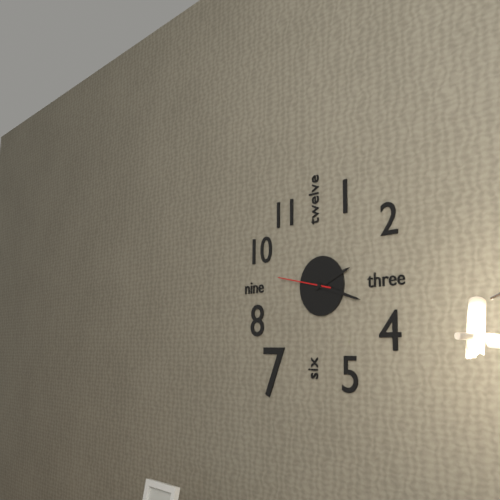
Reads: 2 h 18 min 47 s
